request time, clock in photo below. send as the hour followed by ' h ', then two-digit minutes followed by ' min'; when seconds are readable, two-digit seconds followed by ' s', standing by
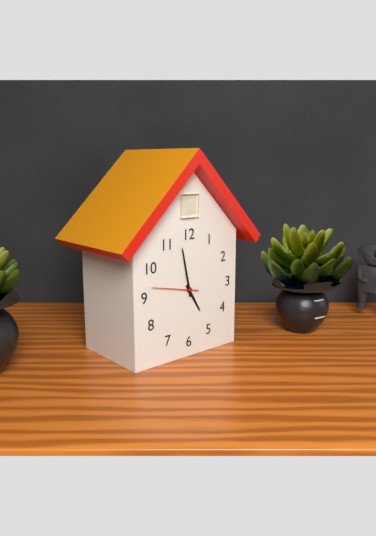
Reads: 4 h 58 min
